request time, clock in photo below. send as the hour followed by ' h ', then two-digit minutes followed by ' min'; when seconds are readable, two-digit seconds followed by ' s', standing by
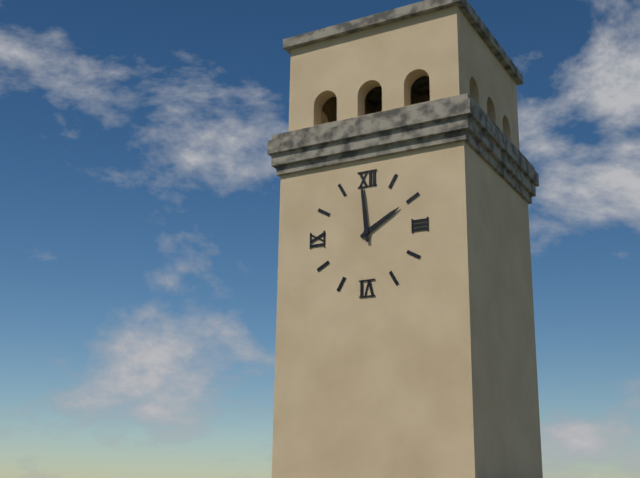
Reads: 1 h 59 min
